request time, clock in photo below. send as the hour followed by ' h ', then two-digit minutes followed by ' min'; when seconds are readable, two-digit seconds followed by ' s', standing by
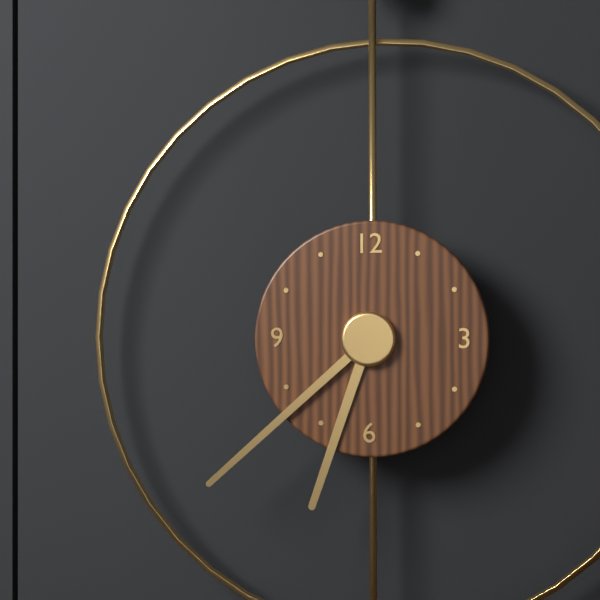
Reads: 6 h 38 min
